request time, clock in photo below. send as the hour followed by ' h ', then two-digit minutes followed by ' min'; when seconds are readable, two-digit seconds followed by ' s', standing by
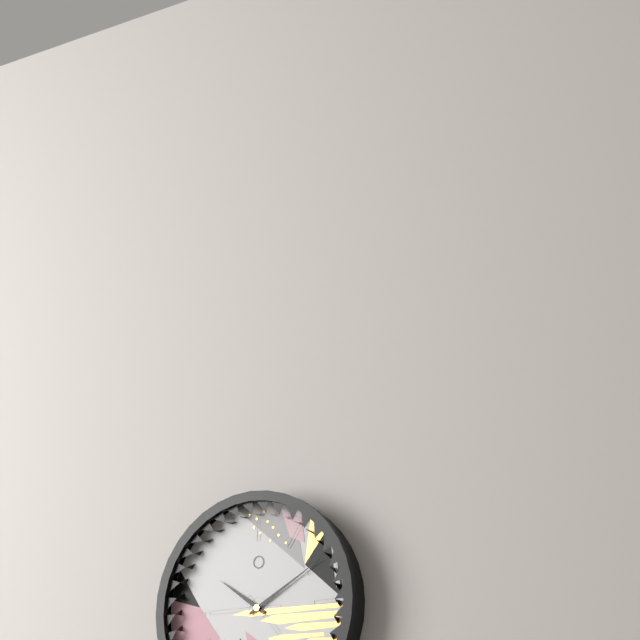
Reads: 10 h 10 min
